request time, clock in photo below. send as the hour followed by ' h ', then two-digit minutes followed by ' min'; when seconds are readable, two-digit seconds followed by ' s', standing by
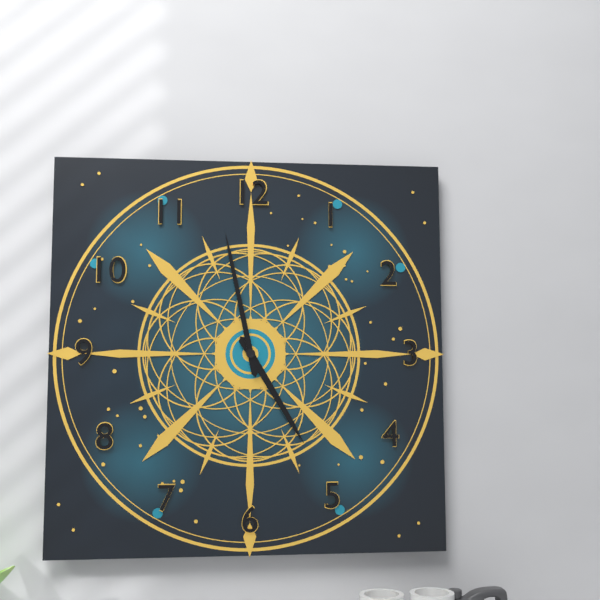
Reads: 4 h 58 min
